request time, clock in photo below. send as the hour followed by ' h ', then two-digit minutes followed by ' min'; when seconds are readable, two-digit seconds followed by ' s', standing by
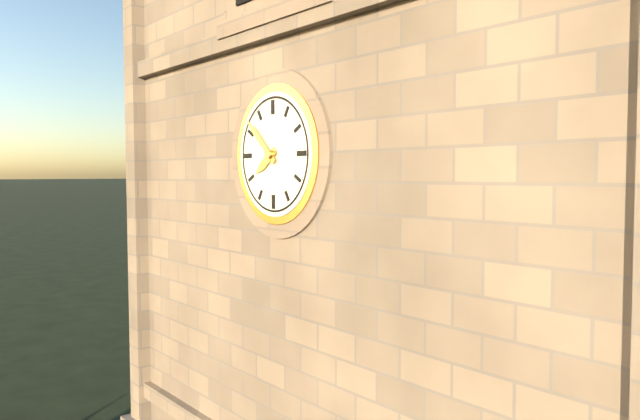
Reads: 7 h 52 min
